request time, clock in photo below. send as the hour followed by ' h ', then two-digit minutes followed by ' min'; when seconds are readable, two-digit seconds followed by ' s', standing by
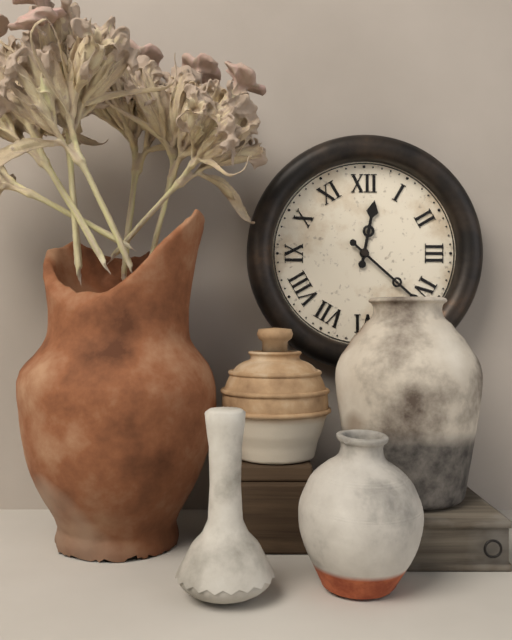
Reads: 12 h 22 min
